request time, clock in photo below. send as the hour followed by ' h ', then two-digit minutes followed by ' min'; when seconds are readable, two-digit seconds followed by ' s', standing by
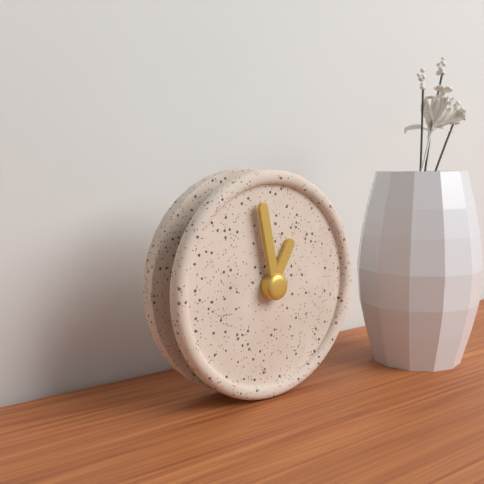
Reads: 12 h 58 min
